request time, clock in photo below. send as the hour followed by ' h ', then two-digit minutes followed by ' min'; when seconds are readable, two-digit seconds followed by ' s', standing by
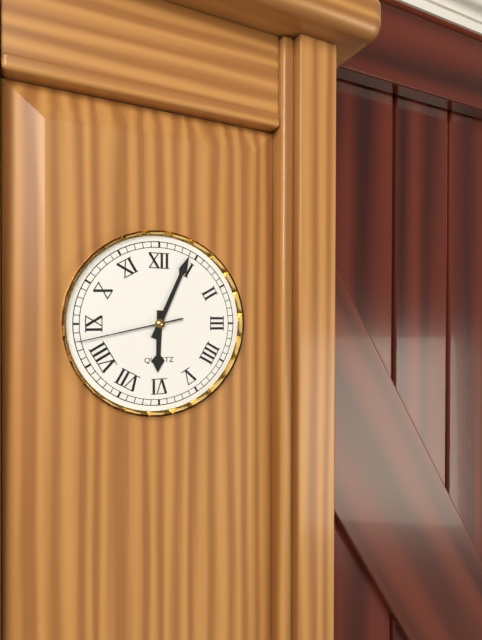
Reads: 6 h 04 min 43 s
